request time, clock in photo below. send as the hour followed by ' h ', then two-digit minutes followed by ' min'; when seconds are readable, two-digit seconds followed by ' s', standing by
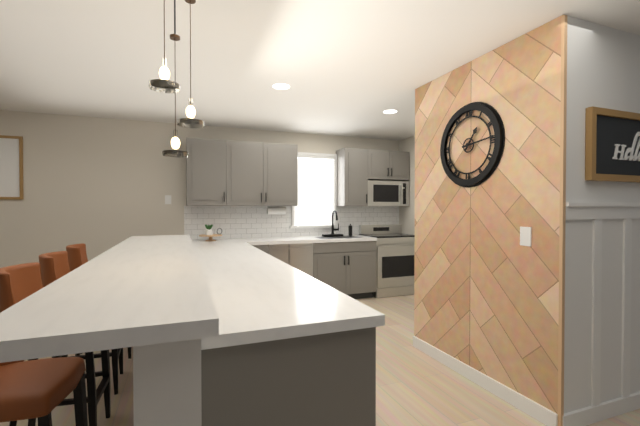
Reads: 1 h 14 min
